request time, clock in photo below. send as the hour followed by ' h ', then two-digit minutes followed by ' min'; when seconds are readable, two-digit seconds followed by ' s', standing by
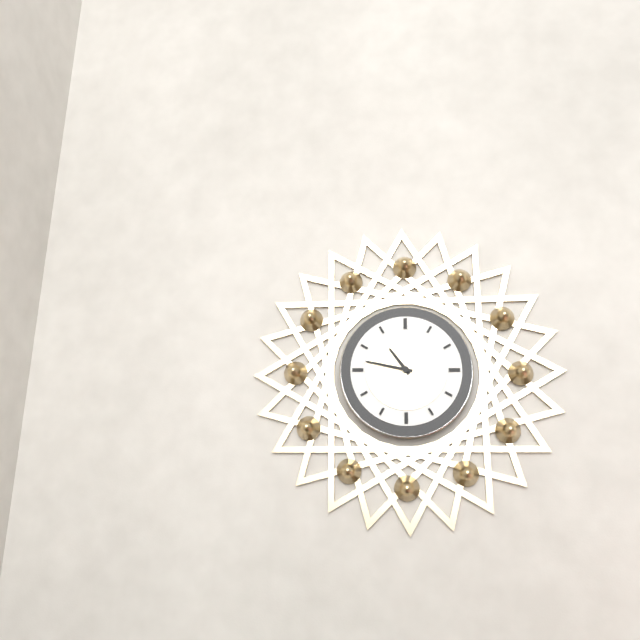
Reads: 10 h 47 min
